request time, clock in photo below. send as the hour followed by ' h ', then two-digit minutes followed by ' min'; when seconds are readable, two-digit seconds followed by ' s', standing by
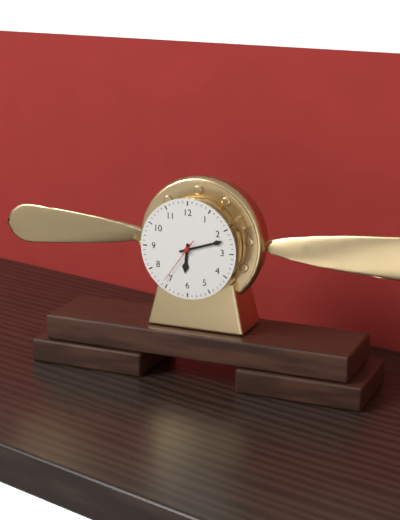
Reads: 6 h 12 min
